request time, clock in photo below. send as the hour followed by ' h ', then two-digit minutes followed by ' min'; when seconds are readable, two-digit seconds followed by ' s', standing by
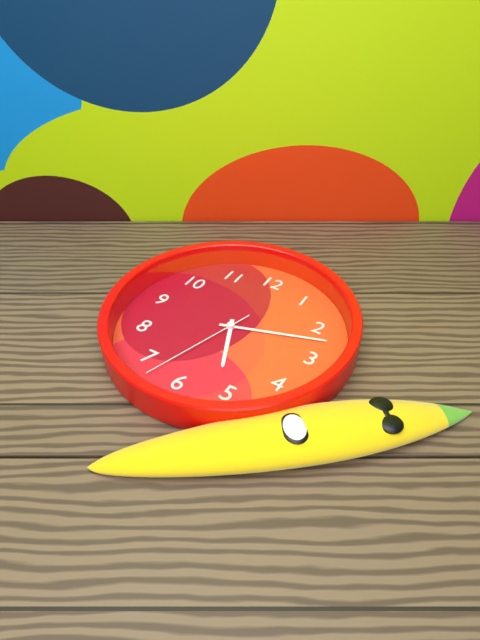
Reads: 5 h 12 min 33 s
